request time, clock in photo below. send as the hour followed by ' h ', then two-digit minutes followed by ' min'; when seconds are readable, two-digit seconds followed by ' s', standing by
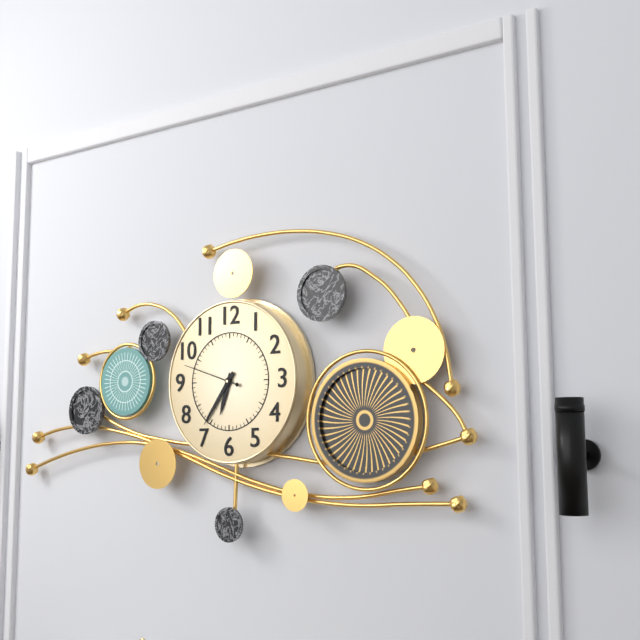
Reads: 6 h 36 min 48 s
